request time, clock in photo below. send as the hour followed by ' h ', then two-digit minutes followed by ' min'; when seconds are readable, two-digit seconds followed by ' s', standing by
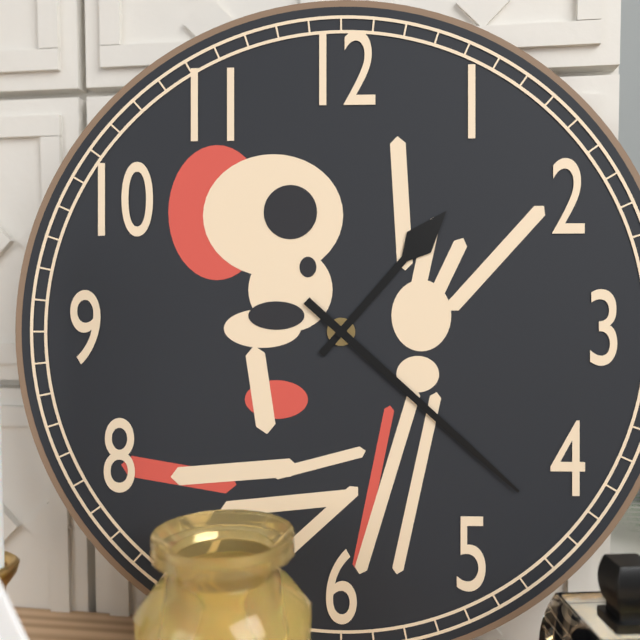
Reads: 1 h 22 min
